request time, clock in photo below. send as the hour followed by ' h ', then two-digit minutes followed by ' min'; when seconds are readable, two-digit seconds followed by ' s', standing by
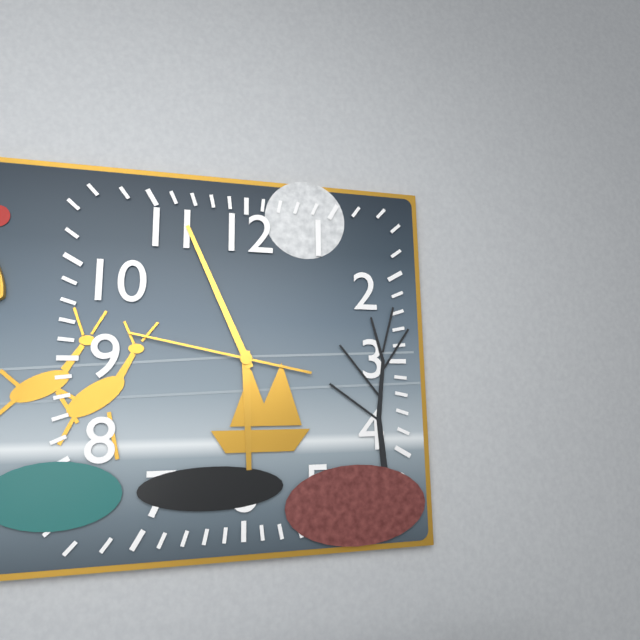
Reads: 5 h 56 min 47 s
